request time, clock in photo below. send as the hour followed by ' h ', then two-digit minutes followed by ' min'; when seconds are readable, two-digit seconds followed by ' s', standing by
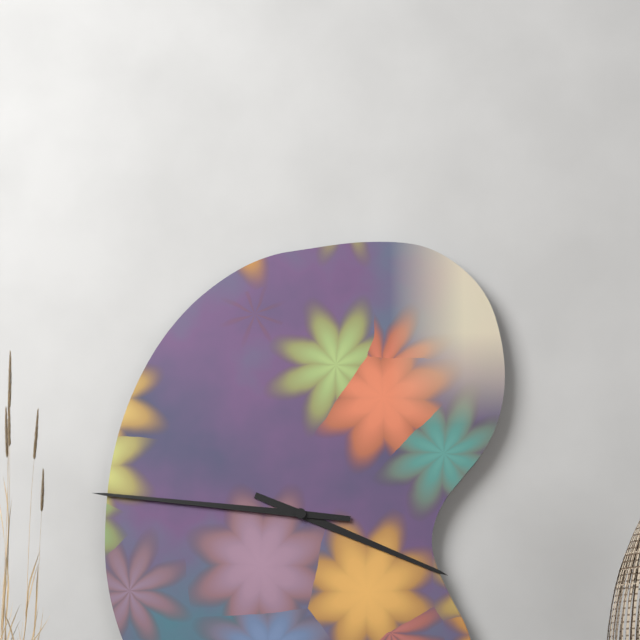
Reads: 3 h 46 min
